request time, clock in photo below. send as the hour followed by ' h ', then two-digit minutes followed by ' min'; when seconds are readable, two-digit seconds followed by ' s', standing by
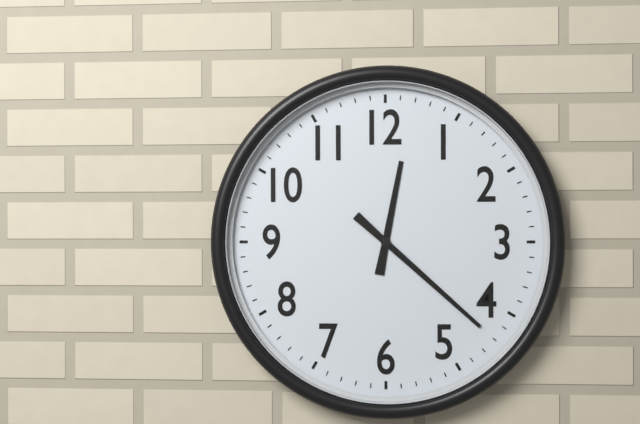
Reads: 12 h 22 min
